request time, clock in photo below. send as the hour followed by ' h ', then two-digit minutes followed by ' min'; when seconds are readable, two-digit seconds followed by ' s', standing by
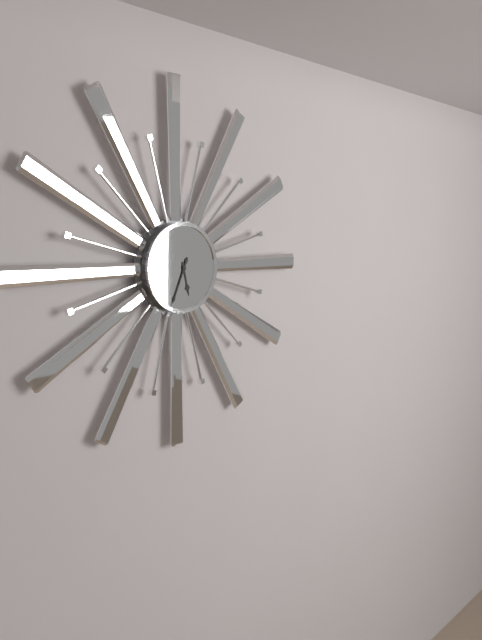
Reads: 5 h 34 min
